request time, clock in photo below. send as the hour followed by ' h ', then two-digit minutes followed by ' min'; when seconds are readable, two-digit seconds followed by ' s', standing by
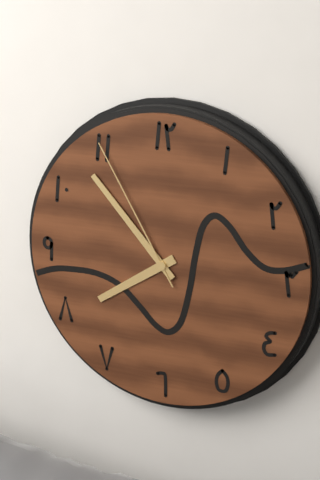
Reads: 7 h 53 min 55 s
